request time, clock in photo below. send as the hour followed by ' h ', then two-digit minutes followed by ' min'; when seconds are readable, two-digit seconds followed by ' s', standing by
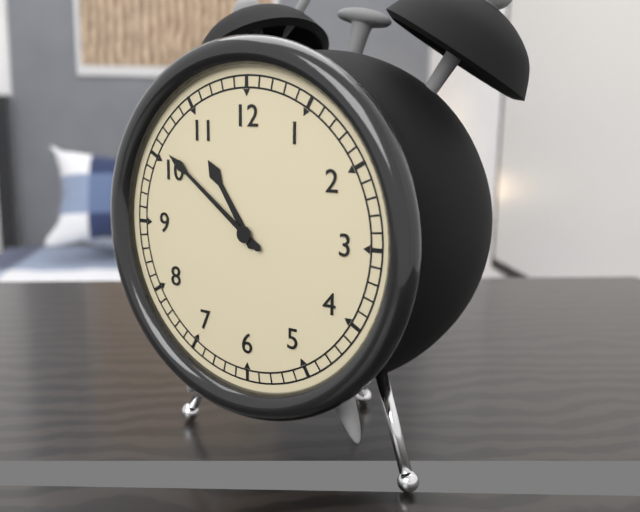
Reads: 10 h 51 min
